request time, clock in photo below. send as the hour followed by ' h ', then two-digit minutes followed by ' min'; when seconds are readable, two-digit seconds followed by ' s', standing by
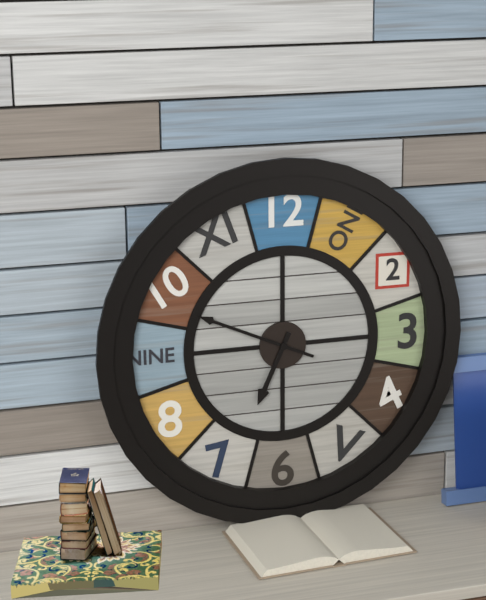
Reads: 6 h 49 min
